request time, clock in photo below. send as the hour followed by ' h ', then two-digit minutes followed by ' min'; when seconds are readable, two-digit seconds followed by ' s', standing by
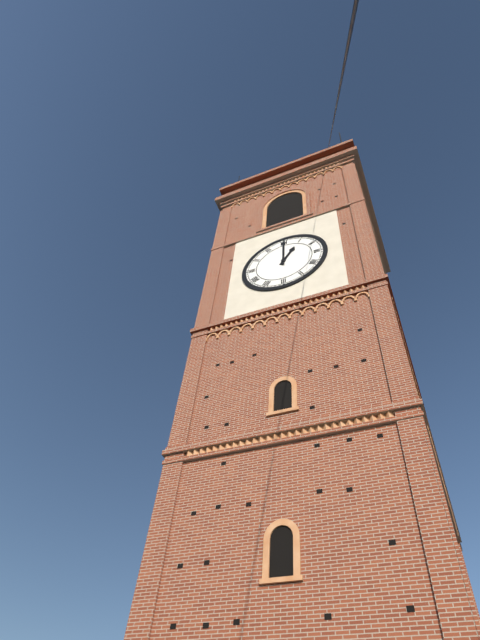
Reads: 1 h 00 min
